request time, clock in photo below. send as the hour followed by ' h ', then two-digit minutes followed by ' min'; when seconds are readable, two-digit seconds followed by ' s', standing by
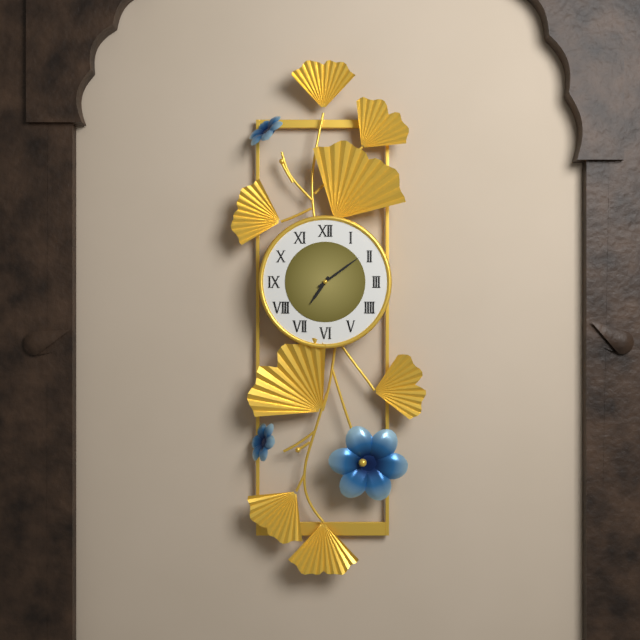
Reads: 7 h 09 min
